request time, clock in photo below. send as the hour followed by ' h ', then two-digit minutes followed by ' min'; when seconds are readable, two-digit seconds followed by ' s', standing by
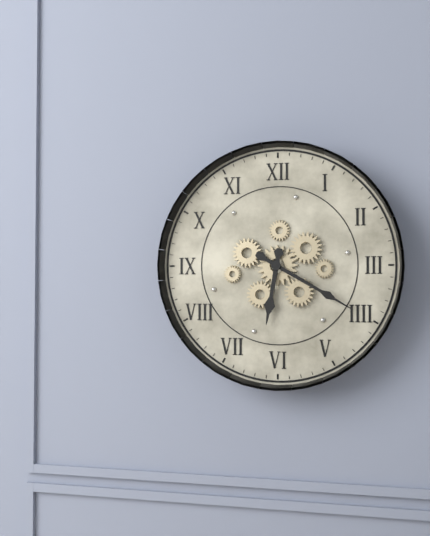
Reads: 6 h 20 min
